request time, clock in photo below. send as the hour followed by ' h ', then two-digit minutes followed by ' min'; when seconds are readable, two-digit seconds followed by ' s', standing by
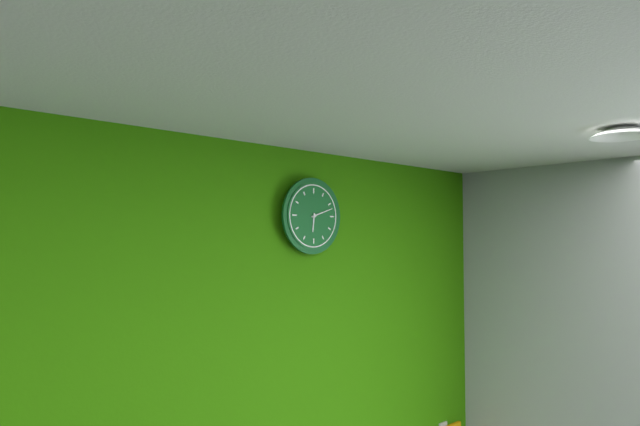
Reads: 6 h 12 min
